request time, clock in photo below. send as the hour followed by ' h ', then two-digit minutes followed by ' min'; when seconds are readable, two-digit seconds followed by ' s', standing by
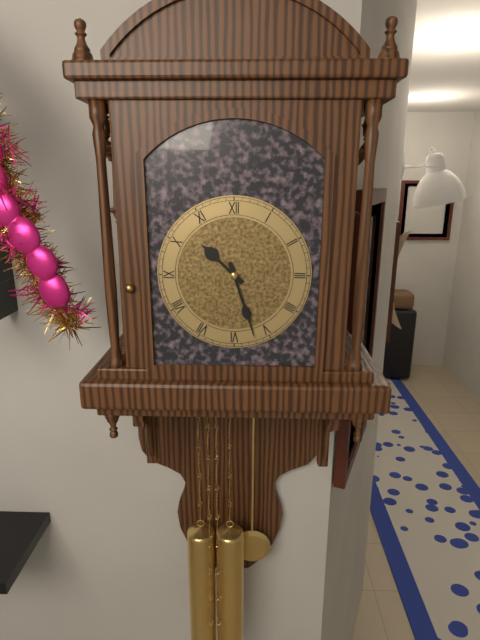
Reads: 10 h 27 min
